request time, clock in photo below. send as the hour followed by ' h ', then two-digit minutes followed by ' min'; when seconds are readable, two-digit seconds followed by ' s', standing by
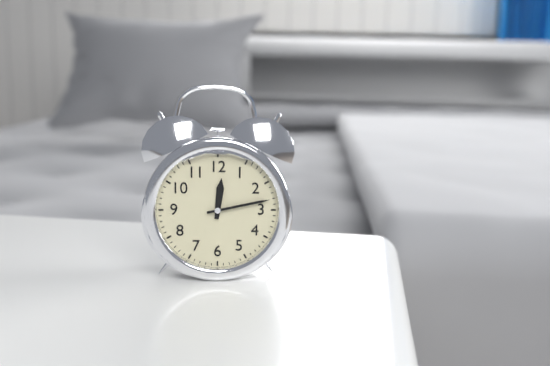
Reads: 12 h 13 min
